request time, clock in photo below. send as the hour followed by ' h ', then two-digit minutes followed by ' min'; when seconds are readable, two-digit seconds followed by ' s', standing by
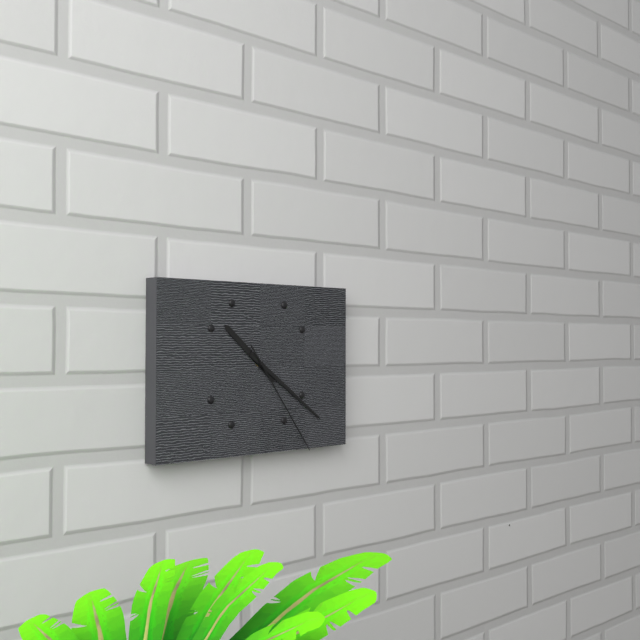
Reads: 10 h 21 min 24 s
